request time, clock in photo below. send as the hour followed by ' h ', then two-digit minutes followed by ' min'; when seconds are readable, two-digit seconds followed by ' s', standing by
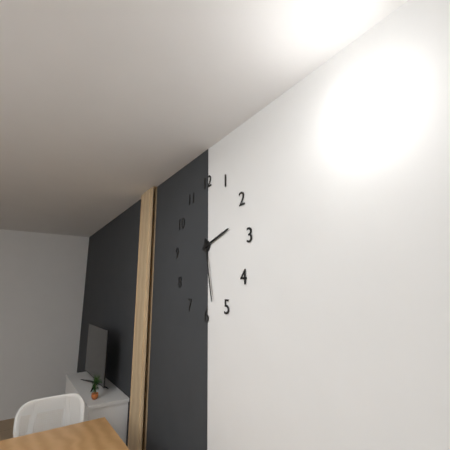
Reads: 2 h 28 min
